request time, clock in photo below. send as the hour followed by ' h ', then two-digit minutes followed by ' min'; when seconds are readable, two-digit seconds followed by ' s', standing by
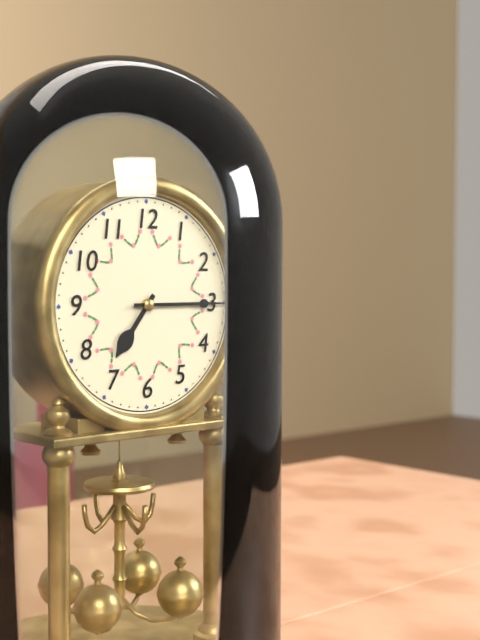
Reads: 7 h 15 min
